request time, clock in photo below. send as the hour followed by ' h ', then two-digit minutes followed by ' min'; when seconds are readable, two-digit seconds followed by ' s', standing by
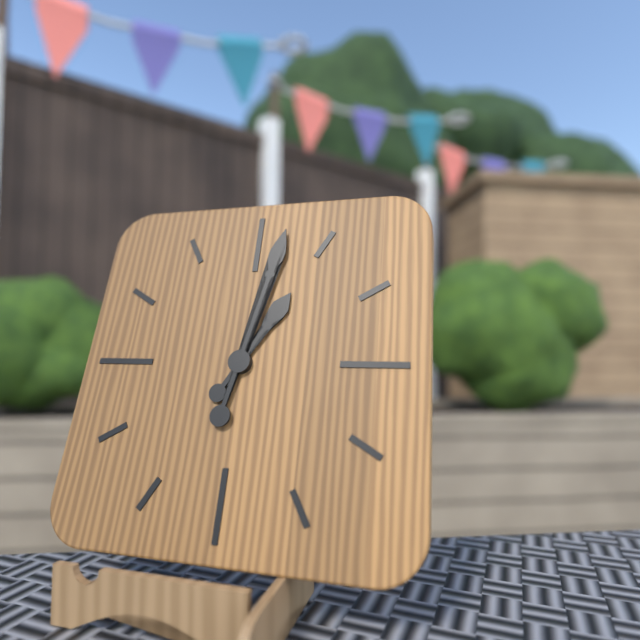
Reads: 1 h 02 min
